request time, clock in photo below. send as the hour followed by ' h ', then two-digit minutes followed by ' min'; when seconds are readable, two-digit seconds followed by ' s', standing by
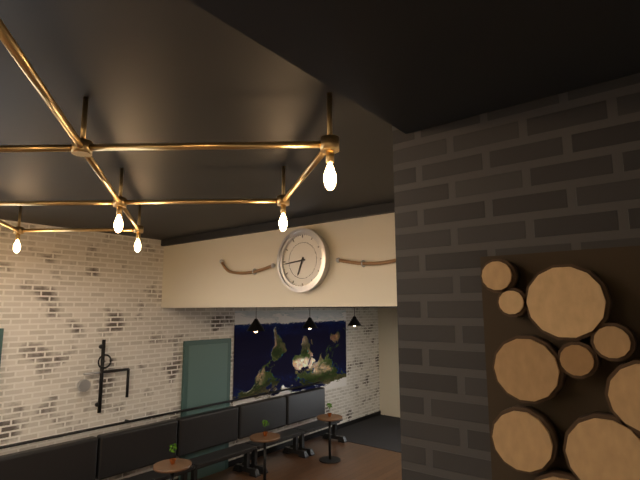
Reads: 6 h 44 min
